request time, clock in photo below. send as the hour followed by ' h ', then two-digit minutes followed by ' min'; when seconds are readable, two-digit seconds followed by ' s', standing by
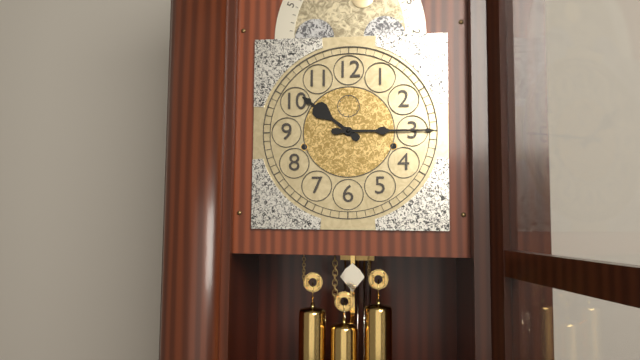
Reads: 10 h 15 min
